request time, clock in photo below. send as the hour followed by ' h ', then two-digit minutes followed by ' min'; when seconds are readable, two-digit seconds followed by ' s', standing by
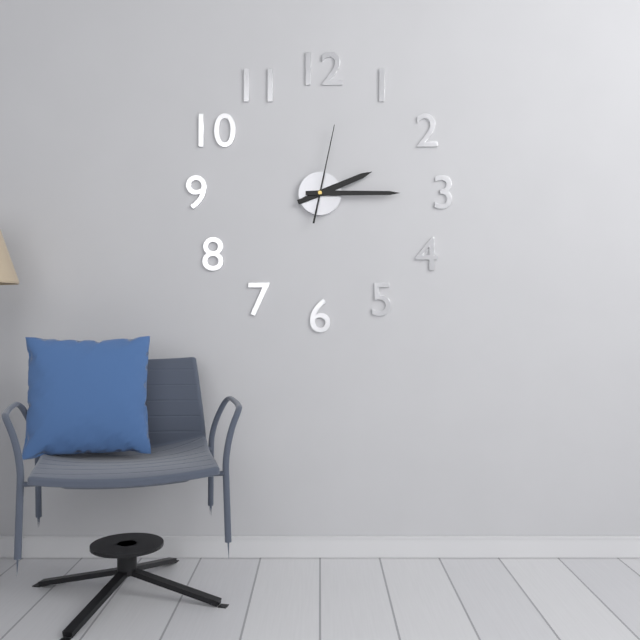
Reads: 2 h 15 min 02 s
